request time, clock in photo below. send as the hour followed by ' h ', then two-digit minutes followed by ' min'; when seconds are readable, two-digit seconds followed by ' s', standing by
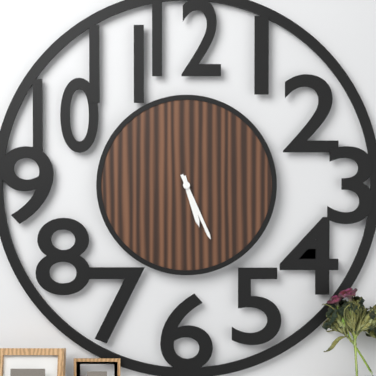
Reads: 5 h 26 min
